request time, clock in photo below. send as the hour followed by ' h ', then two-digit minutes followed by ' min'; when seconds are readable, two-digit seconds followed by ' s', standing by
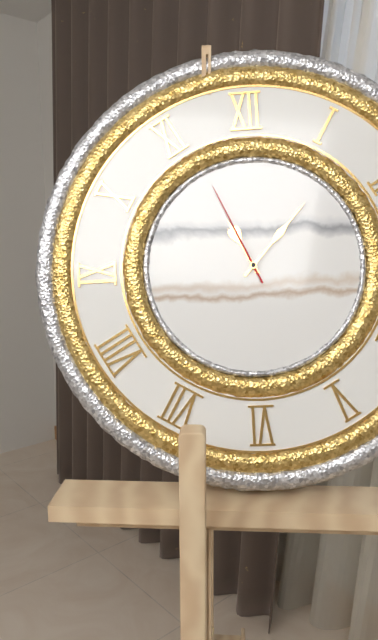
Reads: 11 h 07 min 56 s
